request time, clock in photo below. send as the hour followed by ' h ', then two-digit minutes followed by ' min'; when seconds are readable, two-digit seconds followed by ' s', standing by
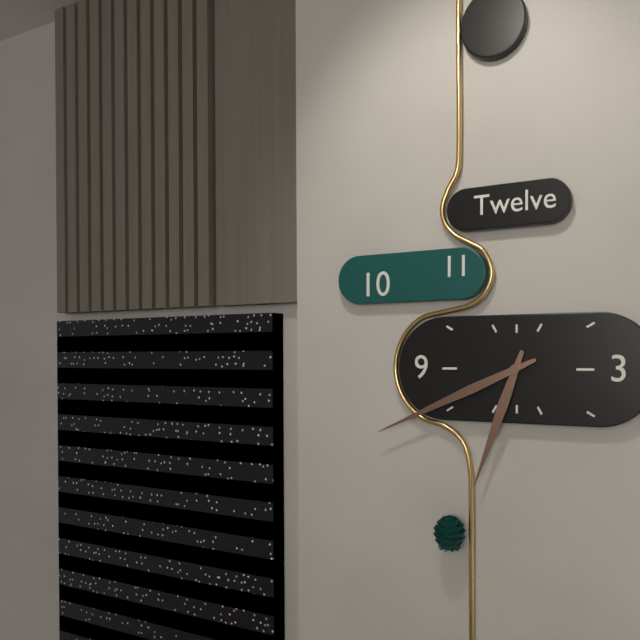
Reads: 6 h 41 min
